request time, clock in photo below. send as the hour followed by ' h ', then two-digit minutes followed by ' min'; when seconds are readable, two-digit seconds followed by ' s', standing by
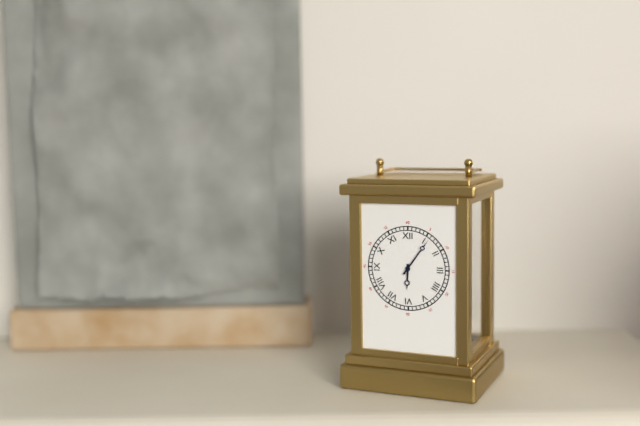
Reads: 6 h 06 min
